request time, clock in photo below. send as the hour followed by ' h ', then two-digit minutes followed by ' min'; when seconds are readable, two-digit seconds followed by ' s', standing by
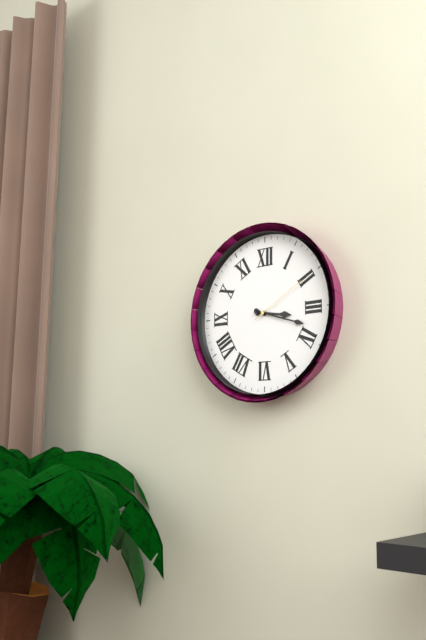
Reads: 3 h 18 min 10 s
